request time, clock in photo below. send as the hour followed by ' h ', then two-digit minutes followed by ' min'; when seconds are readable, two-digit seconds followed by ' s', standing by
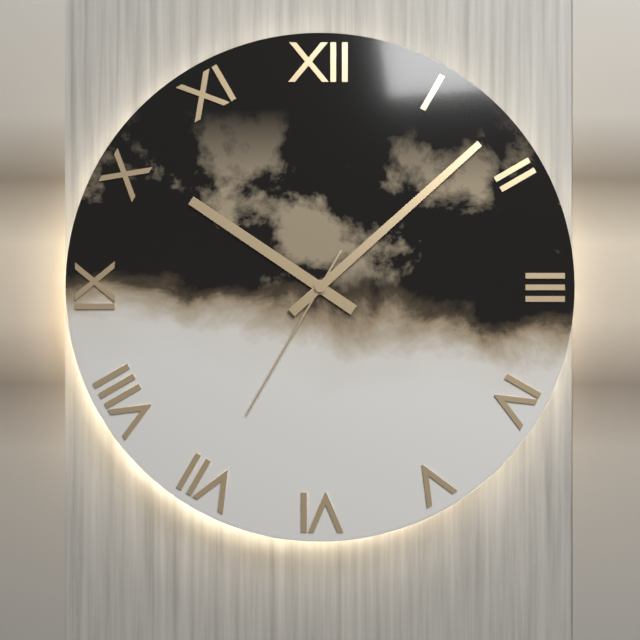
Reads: 10 h 08 min 35 s
